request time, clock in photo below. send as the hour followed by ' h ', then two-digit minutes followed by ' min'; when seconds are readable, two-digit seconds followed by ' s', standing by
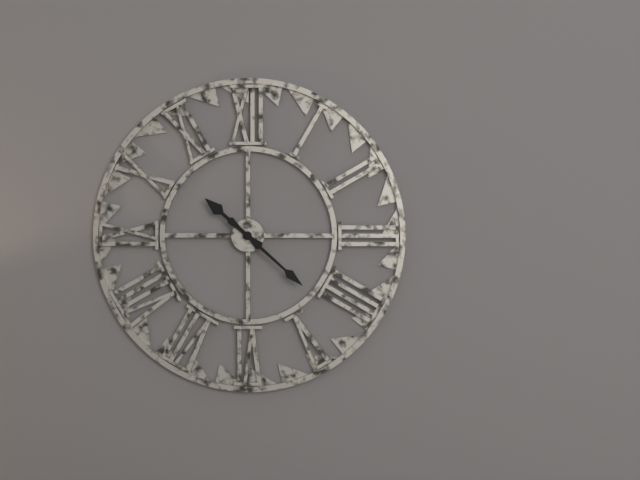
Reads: 10 h 22 min
